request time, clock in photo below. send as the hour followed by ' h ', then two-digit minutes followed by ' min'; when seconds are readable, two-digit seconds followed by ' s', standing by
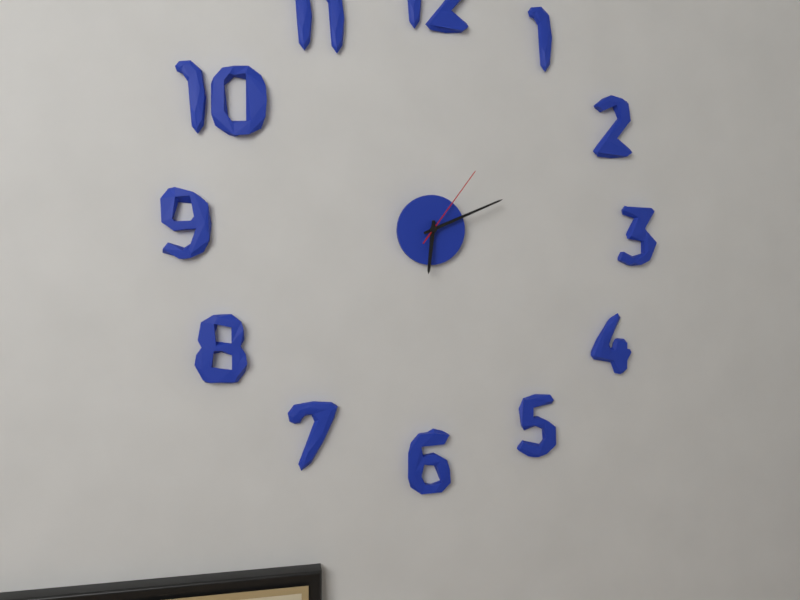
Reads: 6 h 11 min 06 s
